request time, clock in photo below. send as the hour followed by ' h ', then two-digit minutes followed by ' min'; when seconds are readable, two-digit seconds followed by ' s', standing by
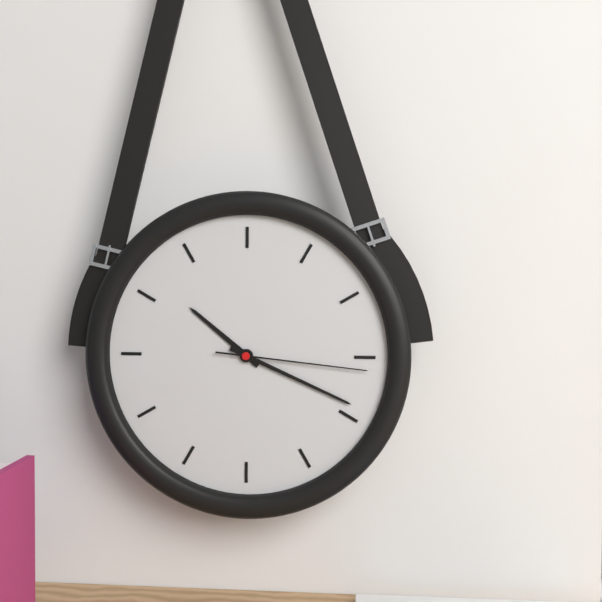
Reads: 10 h 19 min 16 s
